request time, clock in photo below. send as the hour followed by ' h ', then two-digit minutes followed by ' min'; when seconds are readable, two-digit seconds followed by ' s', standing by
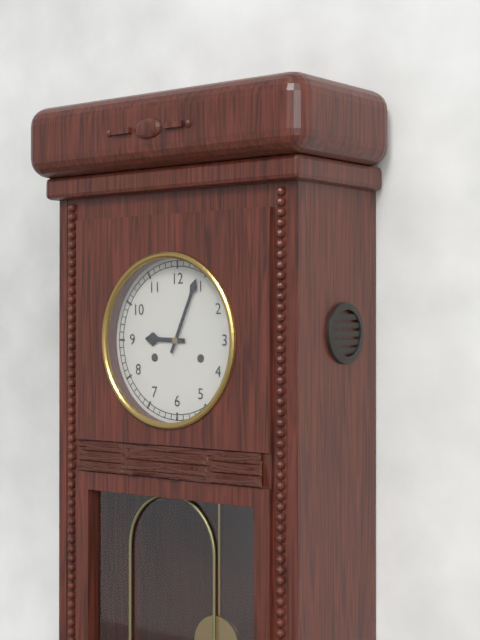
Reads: 9 h 04 min
